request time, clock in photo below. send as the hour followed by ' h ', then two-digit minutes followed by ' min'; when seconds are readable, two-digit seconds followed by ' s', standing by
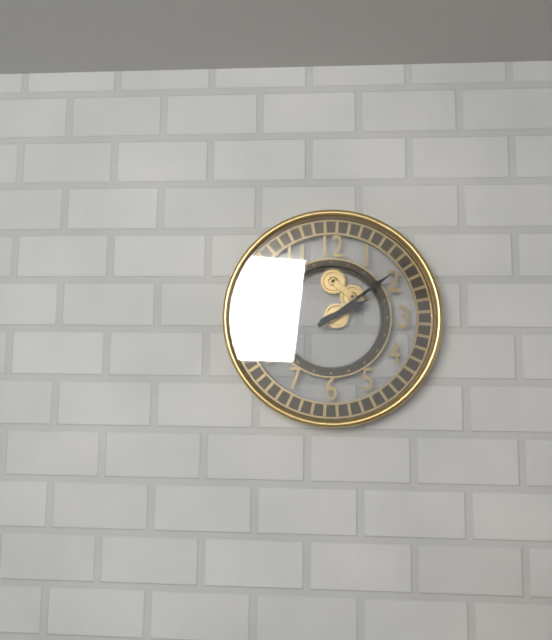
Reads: 2 h 09 min
